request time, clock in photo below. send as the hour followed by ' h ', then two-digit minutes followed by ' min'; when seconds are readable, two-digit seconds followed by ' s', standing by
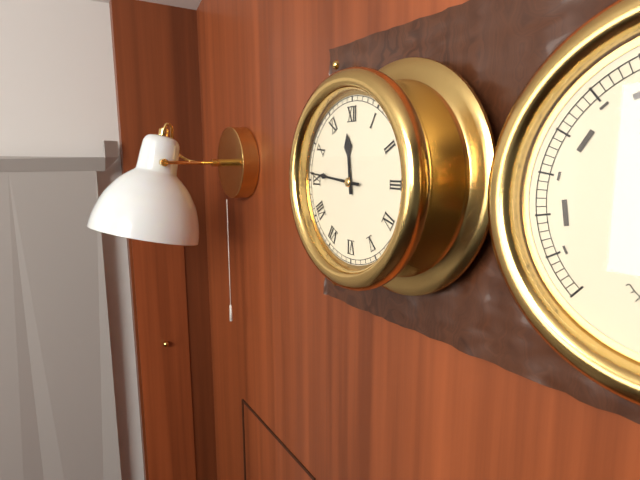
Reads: 11 h 46 min
